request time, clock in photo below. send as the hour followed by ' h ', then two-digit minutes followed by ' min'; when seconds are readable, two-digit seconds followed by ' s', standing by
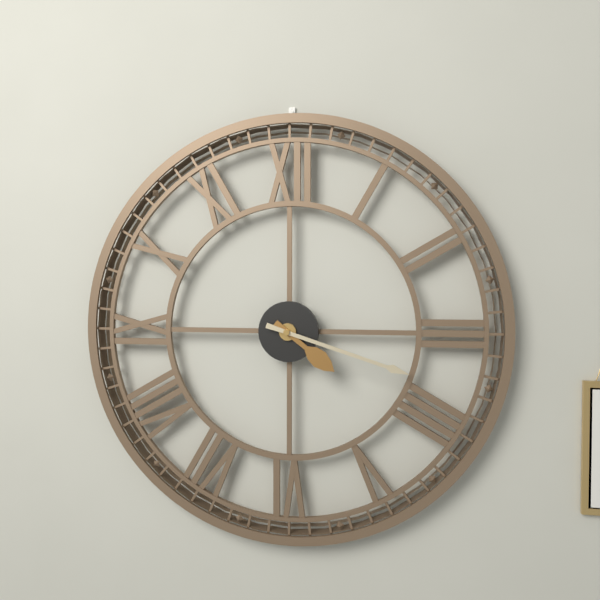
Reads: 4 h 18 min
